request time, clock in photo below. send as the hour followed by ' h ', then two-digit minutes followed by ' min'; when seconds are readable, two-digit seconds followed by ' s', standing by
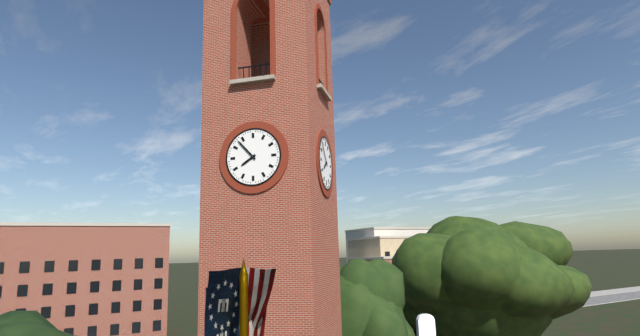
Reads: 7 h 53 min
